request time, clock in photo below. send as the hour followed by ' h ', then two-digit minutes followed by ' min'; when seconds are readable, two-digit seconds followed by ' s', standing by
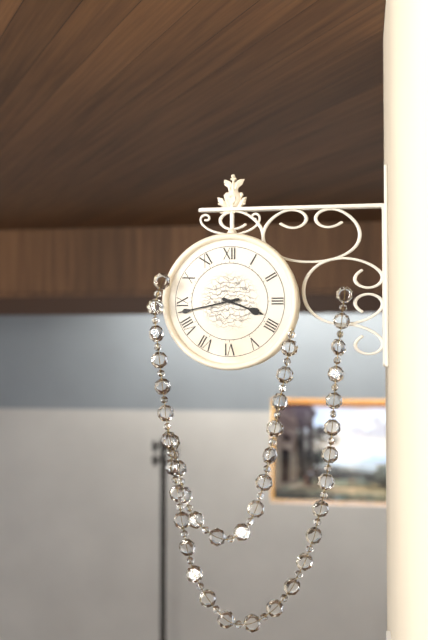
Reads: 3 h 43 min
